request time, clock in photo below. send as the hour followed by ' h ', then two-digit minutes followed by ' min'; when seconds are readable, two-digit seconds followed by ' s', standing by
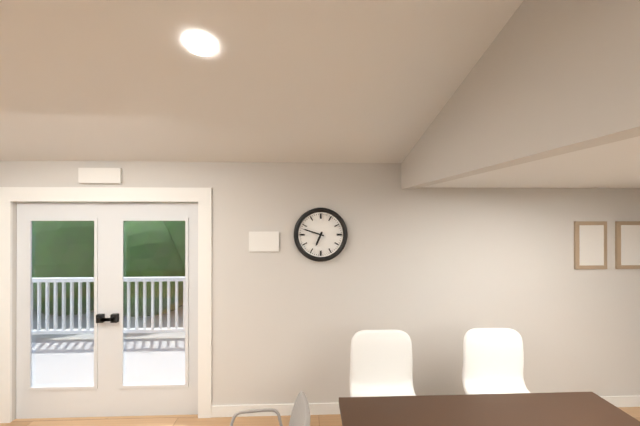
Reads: 6 h 48 min
